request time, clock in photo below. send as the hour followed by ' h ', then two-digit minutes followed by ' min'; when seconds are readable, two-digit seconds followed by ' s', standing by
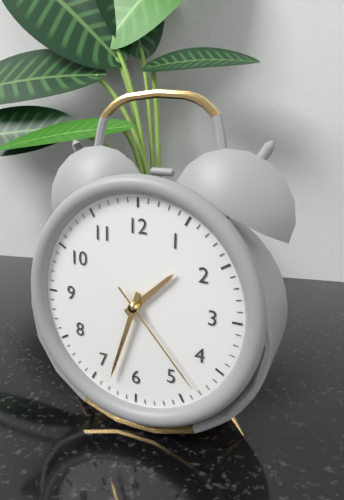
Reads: 1 h 33 min 23 s
